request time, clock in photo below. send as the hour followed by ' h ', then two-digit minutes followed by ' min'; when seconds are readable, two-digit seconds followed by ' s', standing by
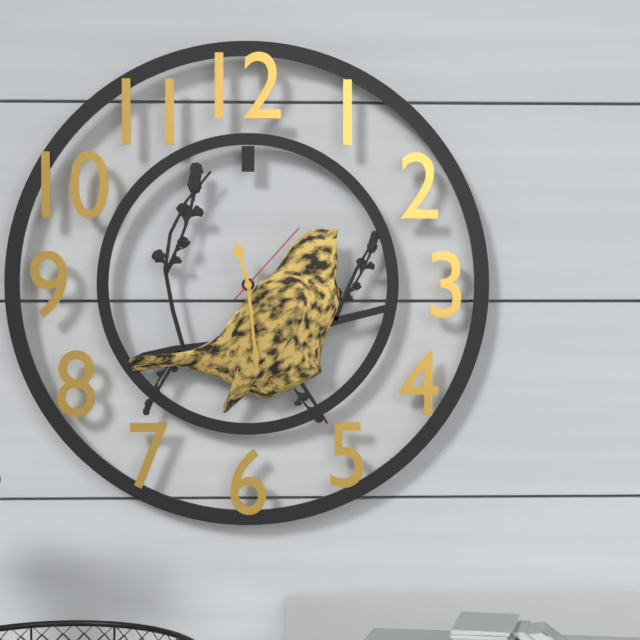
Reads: 11 h 29 min 07 s
